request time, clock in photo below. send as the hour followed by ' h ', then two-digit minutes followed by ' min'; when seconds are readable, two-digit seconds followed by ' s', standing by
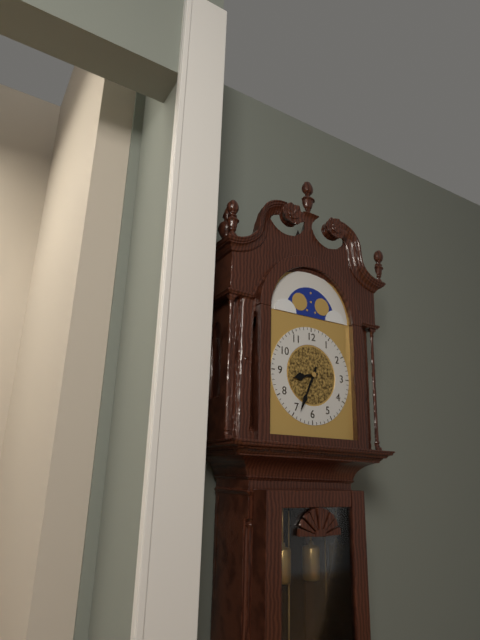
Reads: 8 h 34 min
